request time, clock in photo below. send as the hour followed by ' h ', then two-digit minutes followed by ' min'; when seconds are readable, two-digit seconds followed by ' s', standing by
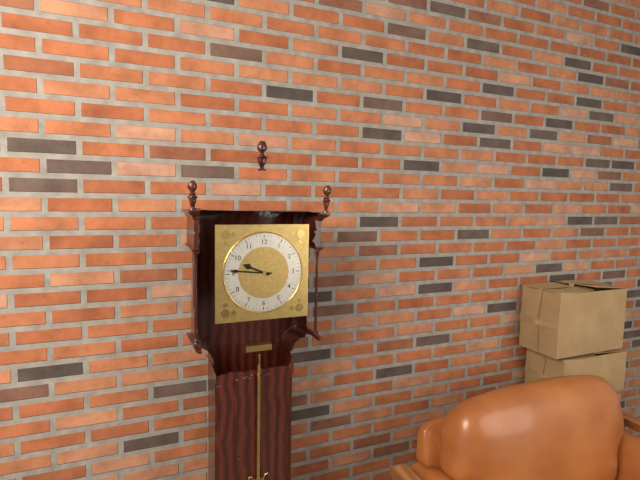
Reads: 9 h 46 min
